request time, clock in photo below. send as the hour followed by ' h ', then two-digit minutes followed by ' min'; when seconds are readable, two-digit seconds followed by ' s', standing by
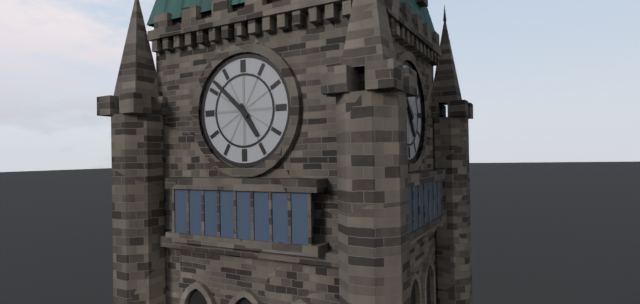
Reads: 4 h 52 min
